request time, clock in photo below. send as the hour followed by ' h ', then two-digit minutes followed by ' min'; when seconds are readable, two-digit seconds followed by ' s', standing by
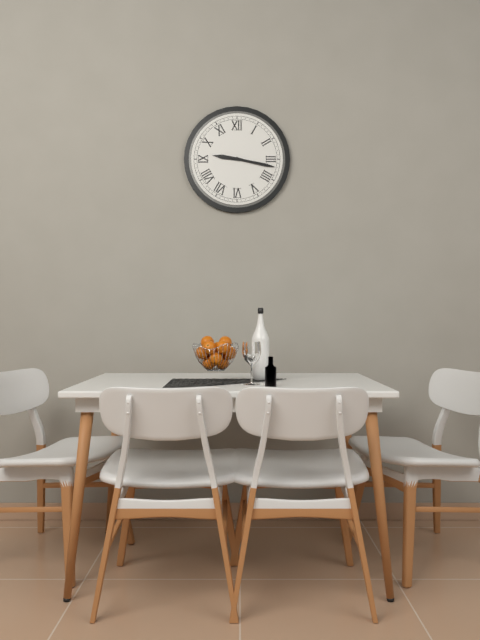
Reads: 9 h 17 min
